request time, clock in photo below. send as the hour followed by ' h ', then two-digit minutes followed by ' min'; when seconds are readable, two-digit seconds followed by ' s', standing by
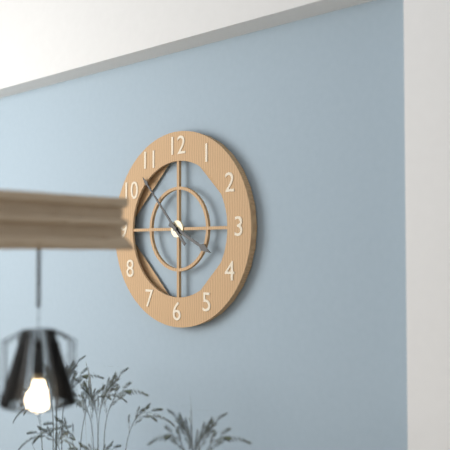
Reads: 3 h 53 min
